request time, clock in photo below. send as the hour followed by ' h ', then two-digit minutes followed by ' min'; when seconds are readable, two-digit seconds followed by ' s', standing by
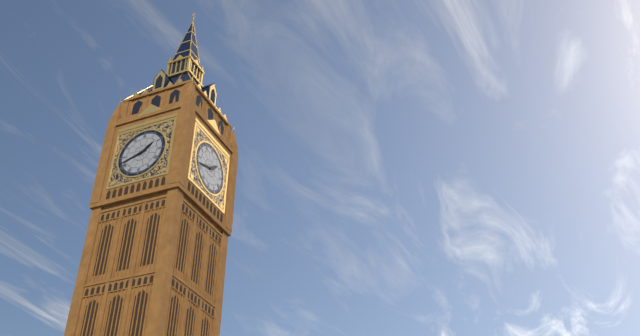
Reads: 1 h 42 min
